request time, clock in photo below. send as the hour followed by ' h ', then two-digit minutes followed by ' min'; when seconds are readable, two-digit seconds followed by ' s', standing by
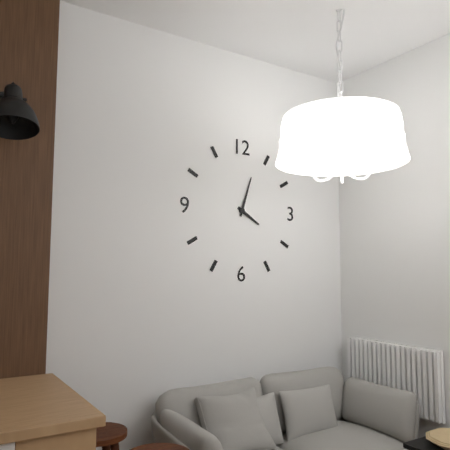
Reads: 4 h 03 min
